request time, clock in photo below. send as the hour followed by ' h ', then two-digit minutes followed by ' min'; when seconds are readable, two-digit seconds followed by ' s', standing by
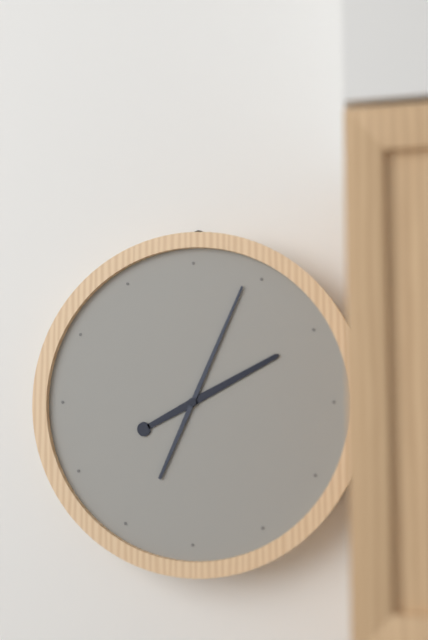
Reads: 2 h 04 min
